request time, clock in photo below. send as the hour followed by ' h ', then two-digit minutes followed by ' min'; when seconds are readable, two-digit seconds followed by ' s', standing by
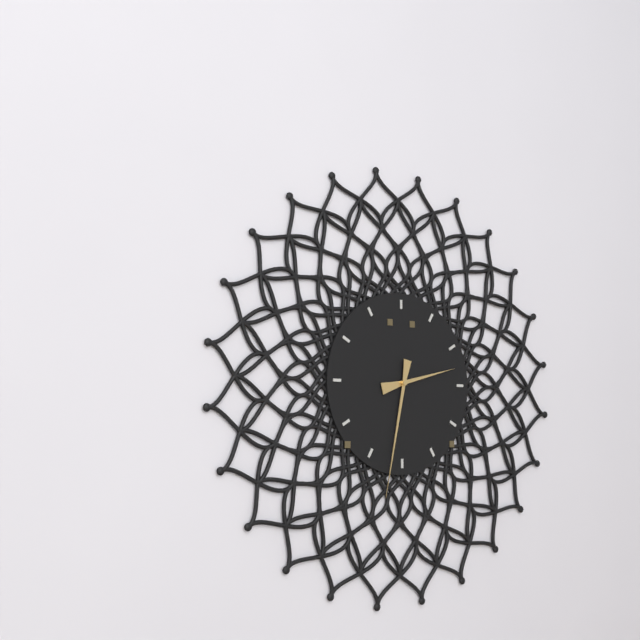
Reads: 2 h 32 min
